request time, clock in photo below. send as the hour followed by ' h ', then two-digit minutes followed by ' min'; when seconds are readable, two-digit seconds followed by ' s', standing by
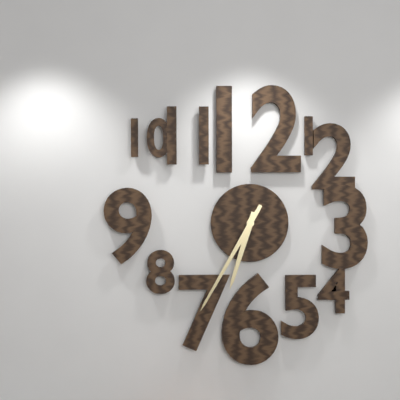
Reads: 6 h 35 min
